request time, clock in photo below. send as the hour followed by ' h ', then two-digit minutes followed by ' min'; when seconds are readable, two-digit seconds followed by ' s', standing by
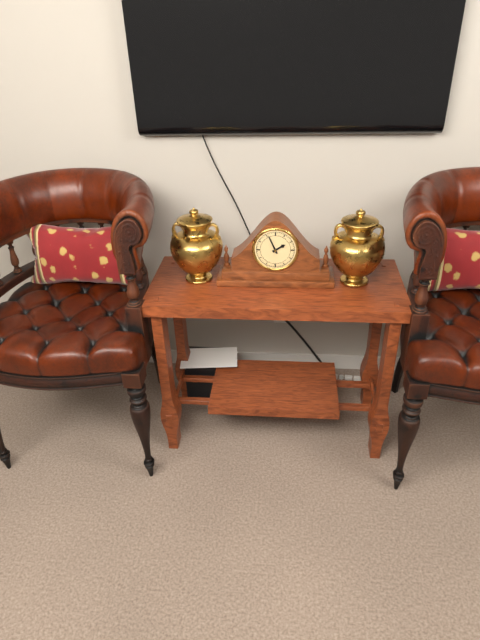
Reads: 1 h 56 min
